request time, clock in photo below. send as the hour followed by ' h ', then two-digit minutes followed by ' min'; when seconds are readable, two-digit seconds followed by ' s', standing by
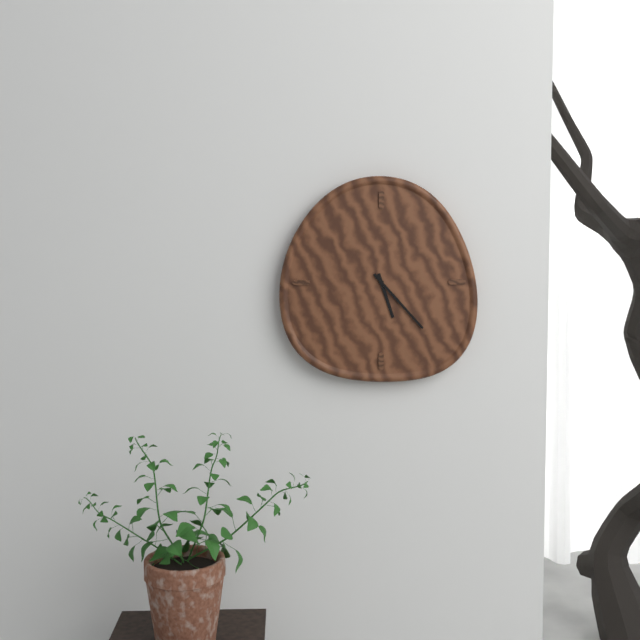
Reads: 5 h 23 min
